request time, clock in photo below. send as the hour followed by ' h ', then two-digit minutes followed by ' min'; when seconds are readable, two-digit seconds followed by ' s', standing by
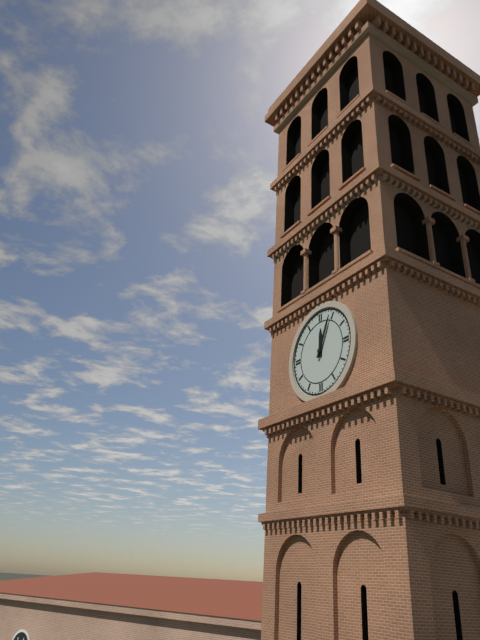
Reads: 12 h 04 min
